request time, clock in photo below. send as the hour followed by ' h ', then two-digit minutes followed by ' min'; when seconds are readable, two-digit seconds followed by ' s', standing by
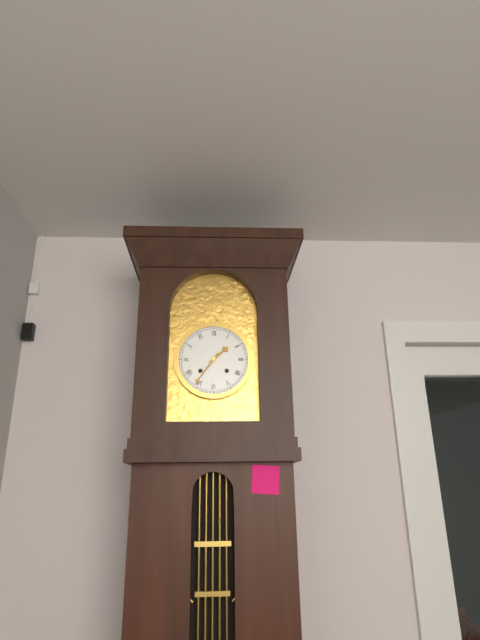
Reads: 1 h 36 min
